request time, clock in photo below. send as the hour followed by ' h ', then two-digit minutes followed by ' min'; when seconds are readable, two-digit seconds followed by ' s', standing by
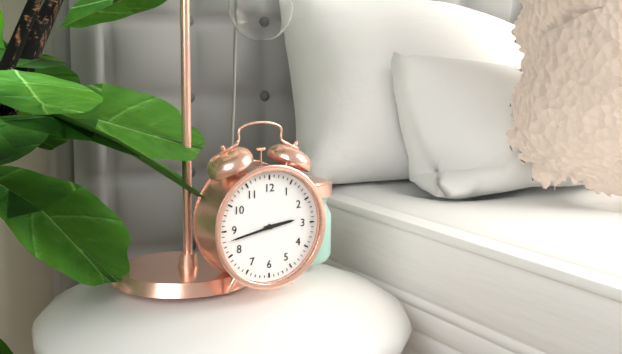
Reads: 2 h 43 min
